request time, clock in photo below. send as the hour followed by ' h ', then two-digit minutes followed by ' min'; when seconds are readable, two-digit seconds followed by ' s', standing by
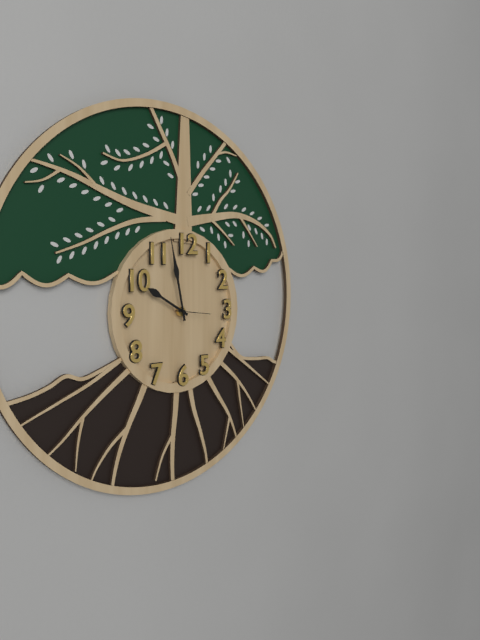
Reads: 9 h 58 min
